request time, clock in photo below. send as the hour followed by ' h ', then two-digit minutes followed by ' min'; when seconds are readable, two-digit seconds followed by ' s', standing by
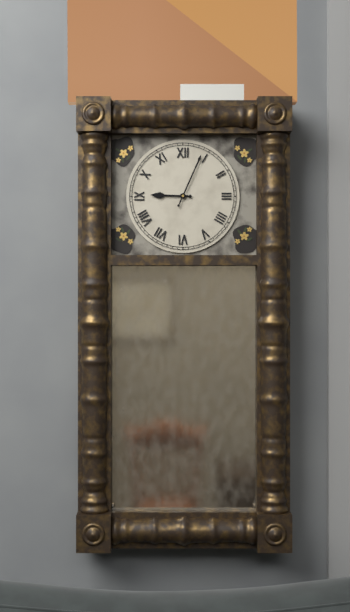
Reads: 9 h 04 min
